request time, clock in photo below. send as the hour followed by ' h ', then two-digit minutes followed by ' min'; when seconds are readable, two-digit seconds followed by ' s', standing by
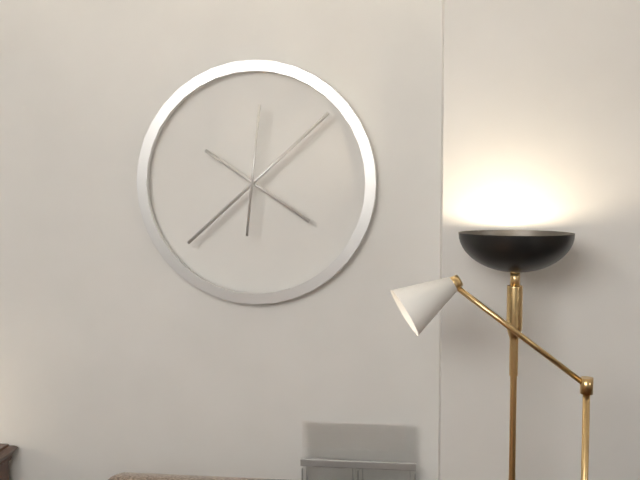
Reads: 4 h 08 min 01 s
